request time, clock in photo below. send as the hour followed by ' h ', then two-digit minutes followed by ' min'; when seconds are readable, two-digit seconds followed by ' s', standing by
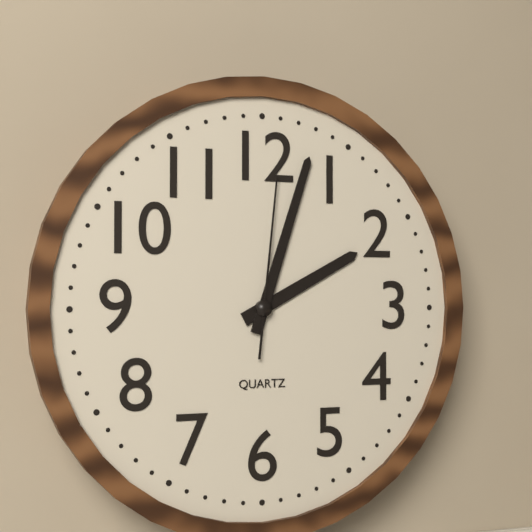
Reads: 2 h 03 min 01 s
